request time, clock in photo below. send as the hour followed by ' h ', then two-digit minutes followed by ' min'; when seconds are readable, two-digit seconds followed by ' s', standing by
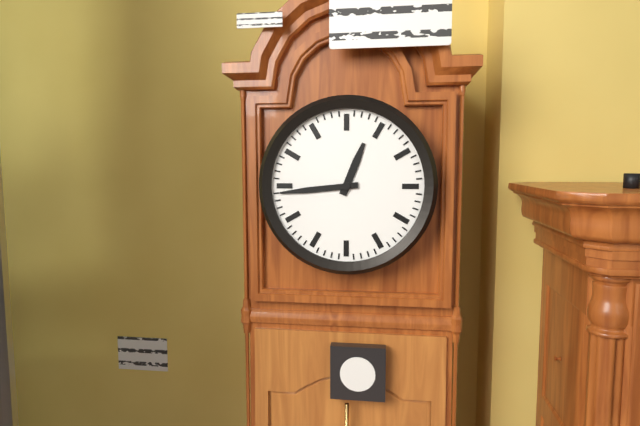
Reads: 12 h 44 min
